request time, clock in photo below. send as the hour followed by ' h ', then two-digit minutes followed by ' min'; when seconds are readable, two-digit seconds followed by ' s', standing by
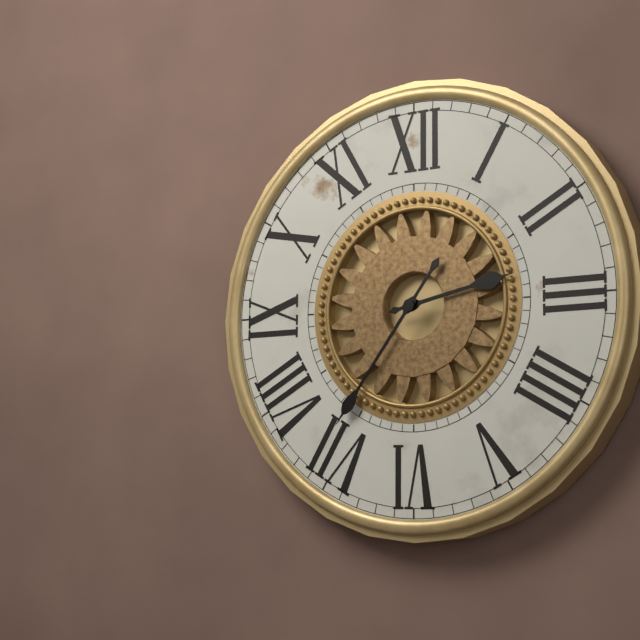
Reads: 2 h 36 min
